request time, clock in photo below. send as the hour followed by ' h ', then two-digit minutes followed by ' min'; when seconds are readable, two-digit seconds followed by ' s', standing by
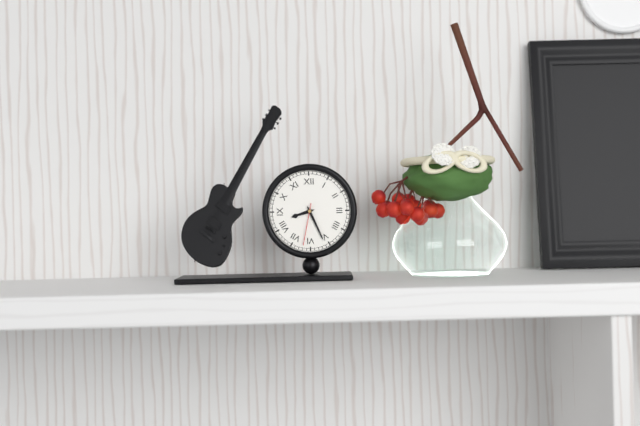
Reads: 8 h 26 min
